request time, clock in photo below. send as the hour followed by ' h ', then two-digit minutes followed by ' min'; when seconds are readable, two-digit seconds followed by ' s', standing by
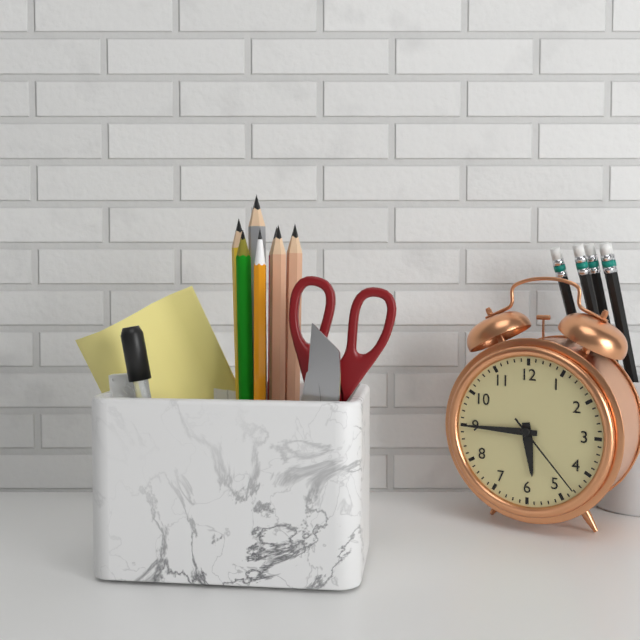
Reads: 5 h 45 min 23 s
